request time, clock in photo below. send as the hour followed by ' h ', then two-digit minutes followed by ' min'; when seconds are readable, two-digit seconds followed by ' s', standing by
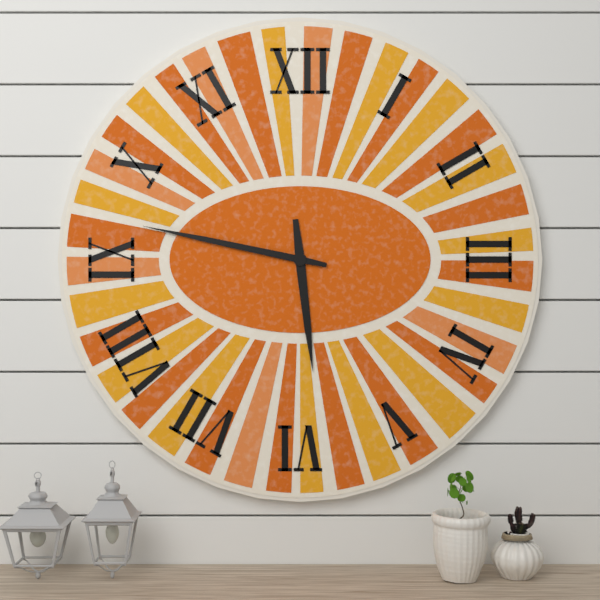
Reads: 5 h 47 min
